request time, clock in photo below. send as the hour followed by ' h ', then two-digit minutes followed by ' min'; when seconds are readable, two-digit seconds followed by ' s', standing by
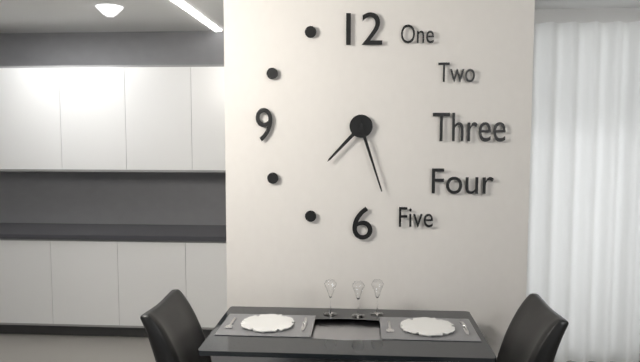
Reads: 7 h 27 min
